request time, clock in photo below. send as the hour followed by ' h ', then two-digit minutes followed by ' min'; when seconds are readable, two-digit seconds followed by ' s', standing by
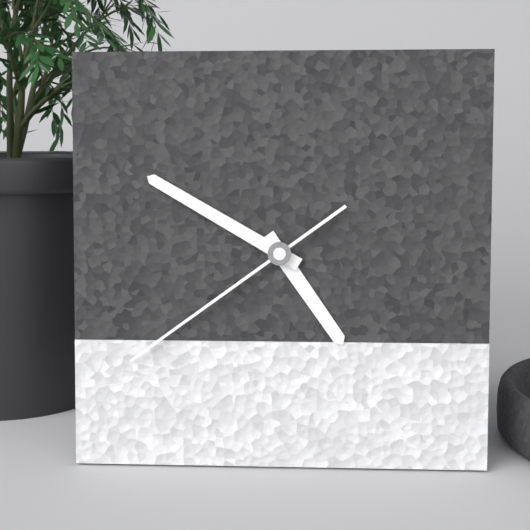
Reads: 4 h 50 min 39 s
